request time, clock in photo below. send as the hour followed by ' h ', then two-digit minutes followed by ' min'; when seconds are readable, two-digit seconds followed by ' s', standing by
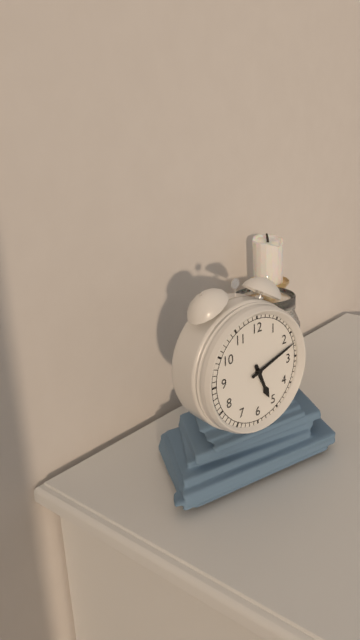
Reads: 5 h 12 min
